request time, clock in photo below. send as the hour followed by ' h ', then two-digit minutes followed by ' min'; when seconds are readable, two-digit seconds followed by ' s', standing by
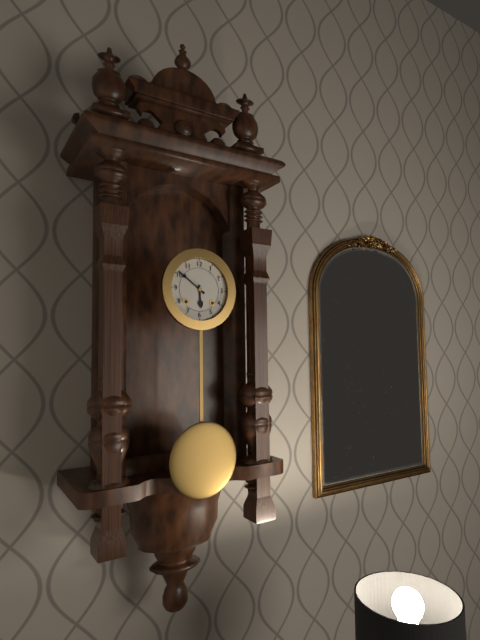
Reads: 5 h 51 min
